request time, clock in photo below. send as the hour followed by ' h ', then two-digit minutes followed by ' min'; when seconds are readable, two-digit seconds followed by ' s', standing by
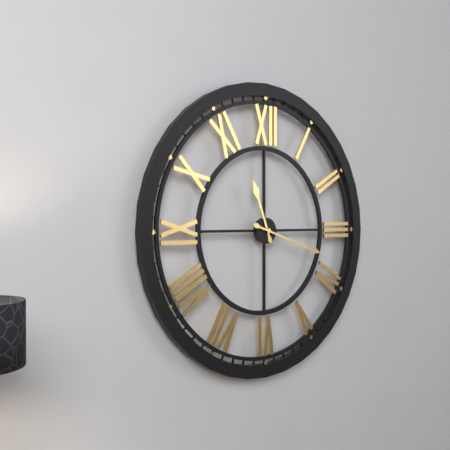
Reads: 11 h 18 min
